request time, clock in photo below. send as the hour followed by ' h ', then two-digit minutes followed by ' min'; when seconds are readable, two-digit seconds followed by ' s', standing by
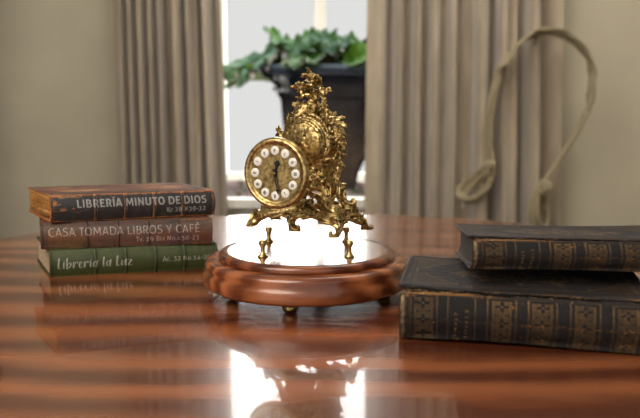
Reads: 12 h 28 min
